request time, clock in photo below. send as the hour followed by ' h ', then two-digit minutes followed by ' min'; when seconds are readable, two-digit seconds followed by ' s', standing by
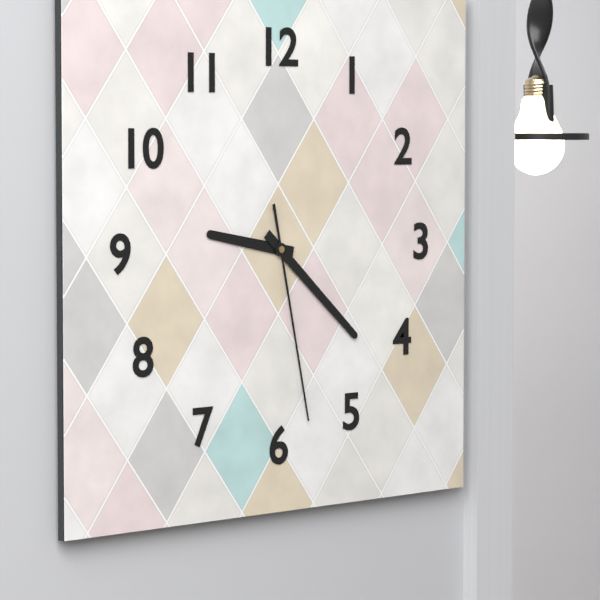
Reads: 9 h 22 min 28 s
